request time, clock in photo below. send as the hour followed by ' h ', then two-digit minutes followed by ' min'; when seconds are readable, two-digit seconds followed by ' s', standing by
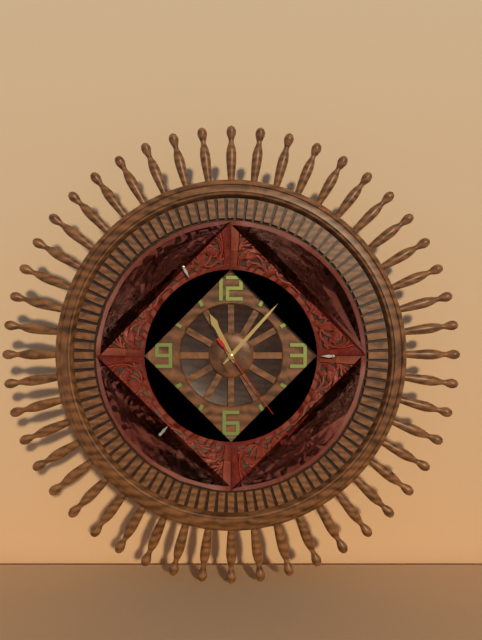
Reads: 11 h 07 min 24 s
